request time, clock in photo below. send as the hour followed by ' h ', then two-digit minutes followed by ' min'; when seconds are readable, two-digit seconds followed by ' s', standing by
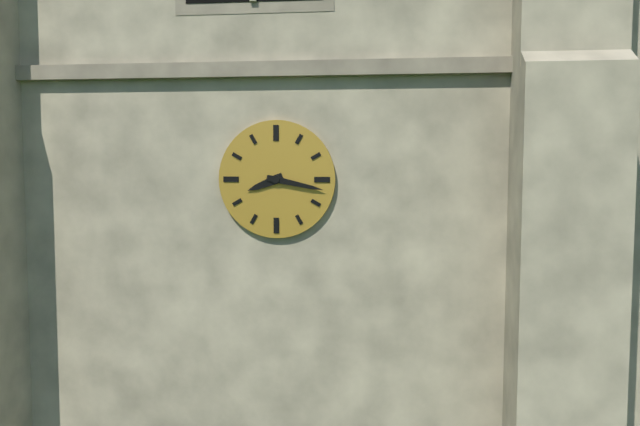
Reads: 8 h 17 min
